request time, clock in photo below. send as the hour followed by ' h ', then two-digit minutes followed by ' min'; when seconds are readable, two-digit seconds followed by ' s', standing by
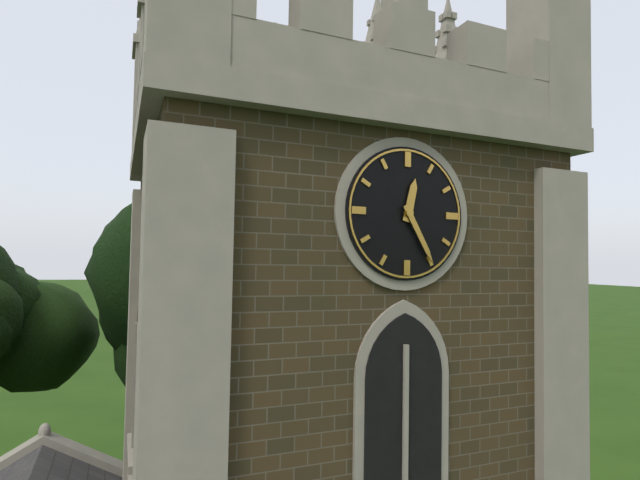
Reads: 12 h 25 min
